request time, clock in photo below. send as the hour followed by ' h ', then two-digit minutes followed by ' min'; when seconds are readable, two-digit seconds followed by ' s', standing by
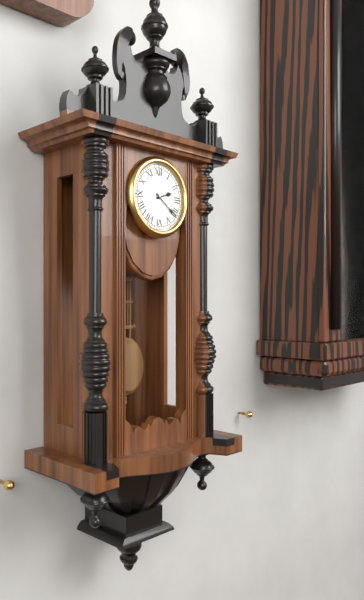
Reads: 2 h 21 min
